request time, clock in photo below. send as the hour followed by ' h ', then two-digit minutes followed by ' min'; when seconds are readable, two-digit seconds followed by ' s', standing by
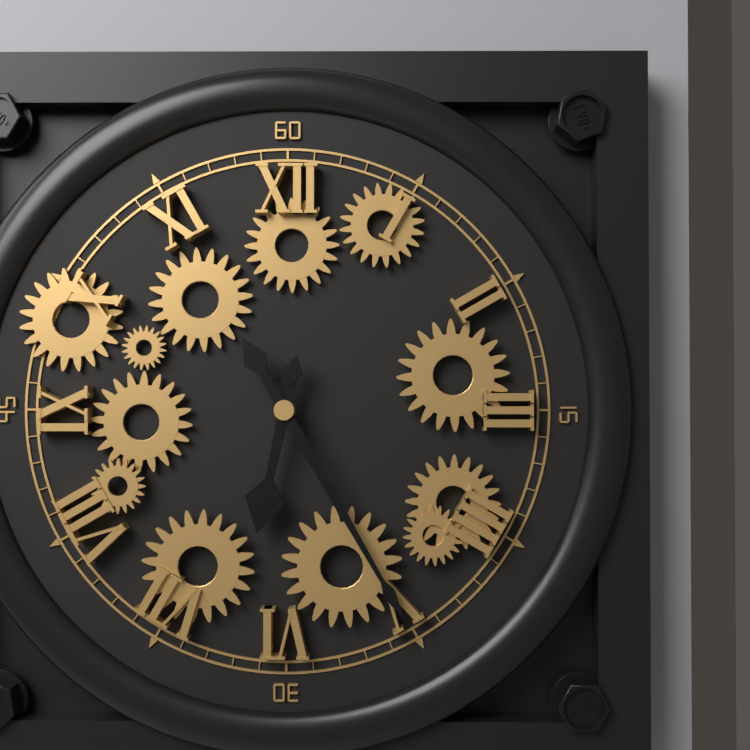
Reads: 6 h 25 min
